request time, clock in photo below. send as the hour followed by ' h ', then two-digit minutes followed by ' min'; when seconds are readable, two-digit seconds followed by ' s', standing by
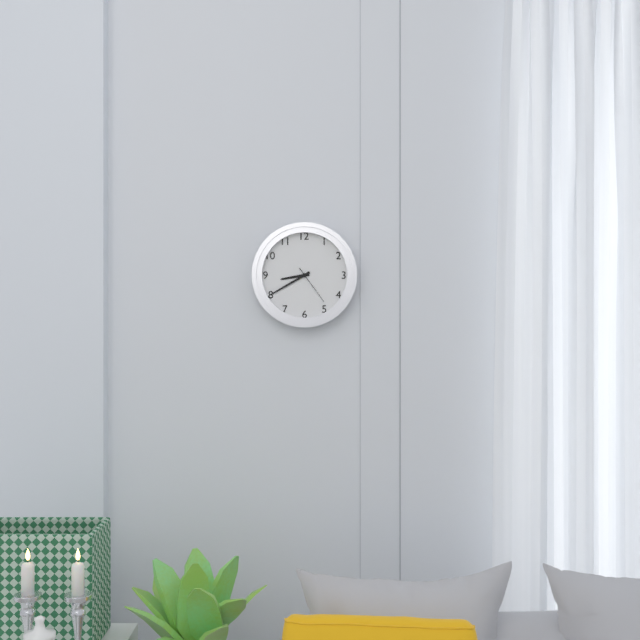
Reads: 8 h 40 min
